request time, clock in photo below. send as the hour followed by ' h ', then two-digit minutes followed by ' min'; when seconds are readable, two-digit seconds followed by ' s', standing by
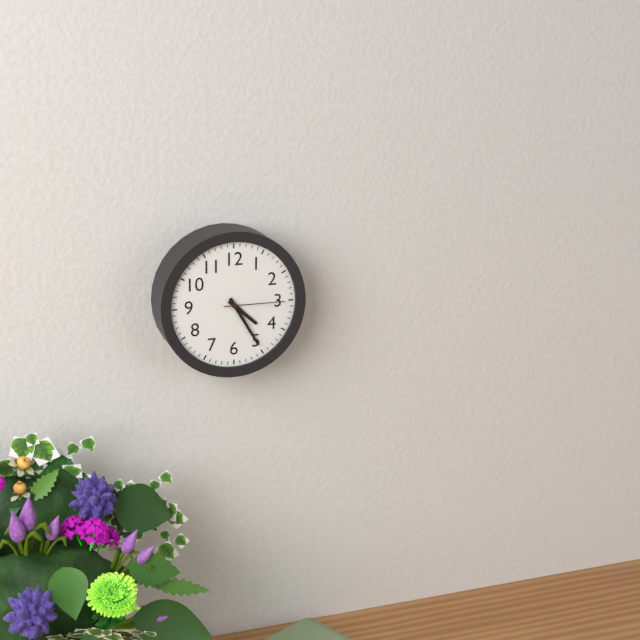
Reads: 4 h 25 min 15 s
